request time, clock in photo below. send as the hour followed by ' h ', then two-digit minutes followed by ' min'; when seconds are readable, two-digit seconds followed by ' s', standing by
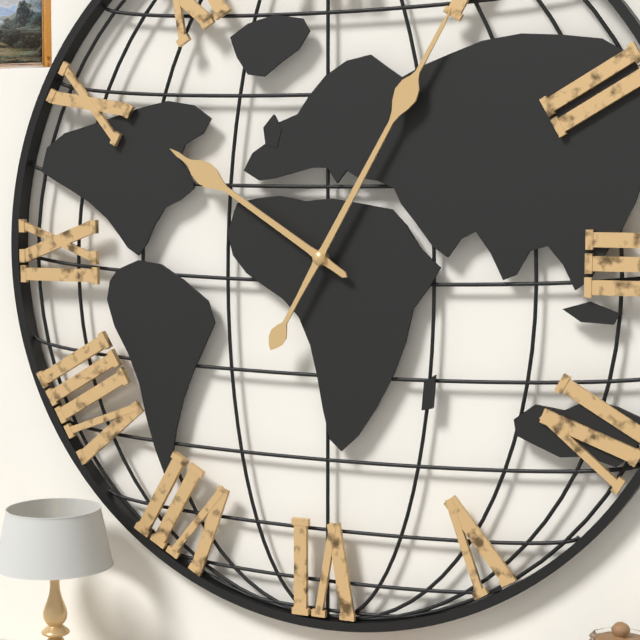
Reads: 10 h 05 min
